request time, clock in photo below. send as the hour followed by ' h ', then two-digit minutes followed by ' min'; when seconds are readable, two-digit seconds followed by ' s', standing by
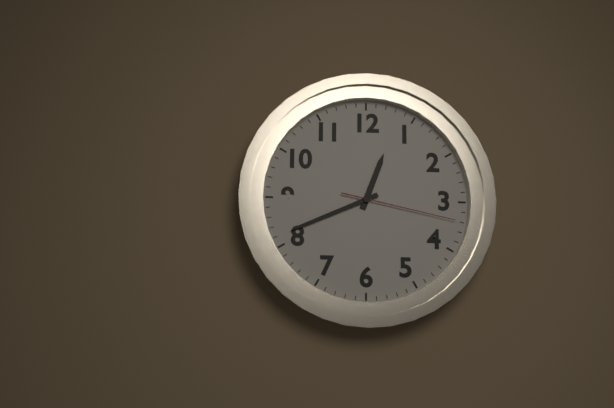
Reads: 12 h 41 min 17 s
